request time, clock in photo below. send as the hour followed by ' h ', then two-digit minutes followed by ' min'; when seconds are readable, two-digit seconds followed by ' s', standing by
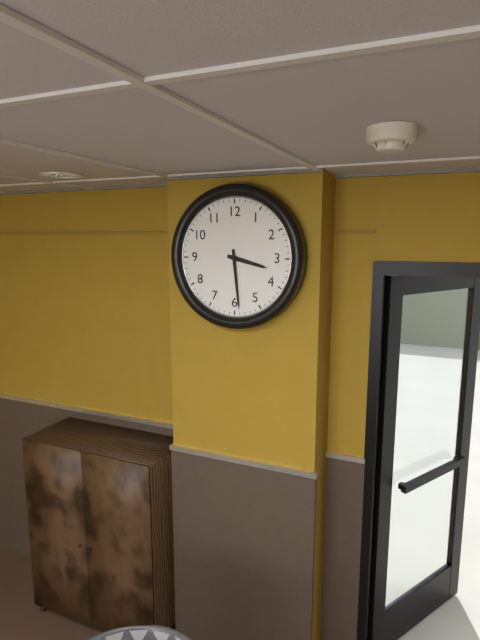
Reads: 3 h 29 min
